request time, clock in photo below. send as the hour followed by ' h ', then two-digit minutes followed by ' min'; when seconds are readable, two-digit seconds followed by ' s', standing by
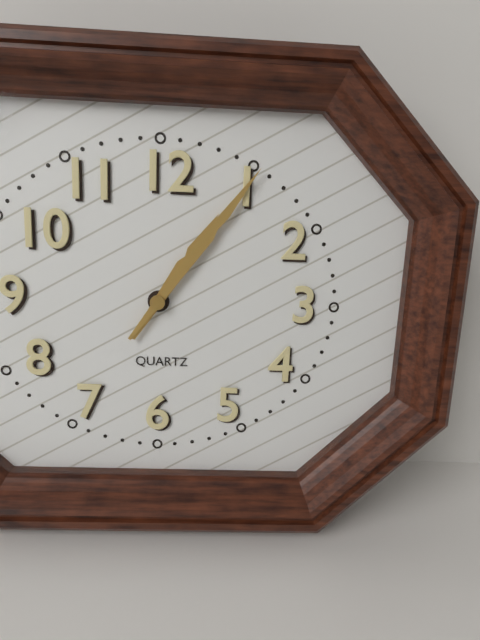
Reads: 1 h 06 min
